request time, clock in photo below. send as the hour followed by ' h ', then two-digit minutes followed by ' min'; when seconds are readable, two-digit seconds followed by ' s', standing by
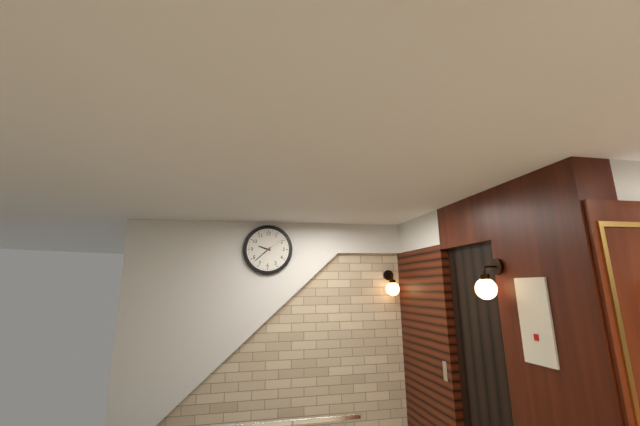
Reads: 9 h 38 min
